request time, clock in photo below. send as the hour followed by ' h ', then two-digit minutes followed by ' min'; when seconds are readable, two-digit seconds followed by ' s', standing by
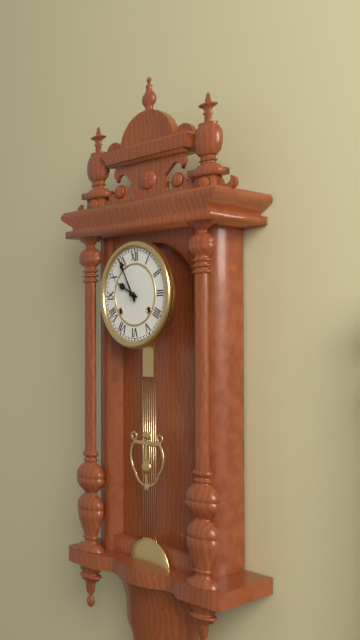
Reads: 9 h 55 min
